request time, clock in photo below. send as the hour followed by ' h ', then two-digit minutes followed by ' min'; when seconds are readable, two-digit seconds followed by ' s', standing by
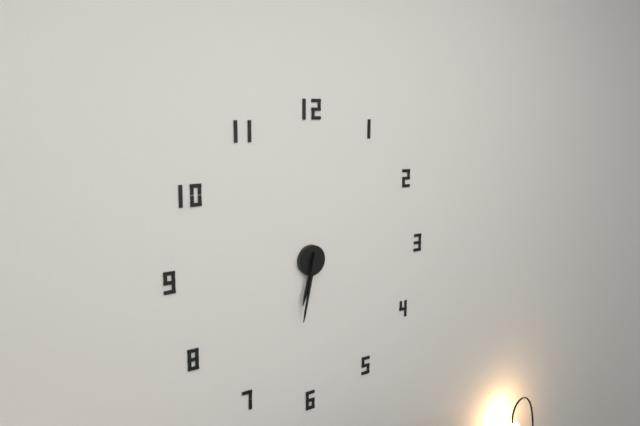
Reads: 6 h 32 min
